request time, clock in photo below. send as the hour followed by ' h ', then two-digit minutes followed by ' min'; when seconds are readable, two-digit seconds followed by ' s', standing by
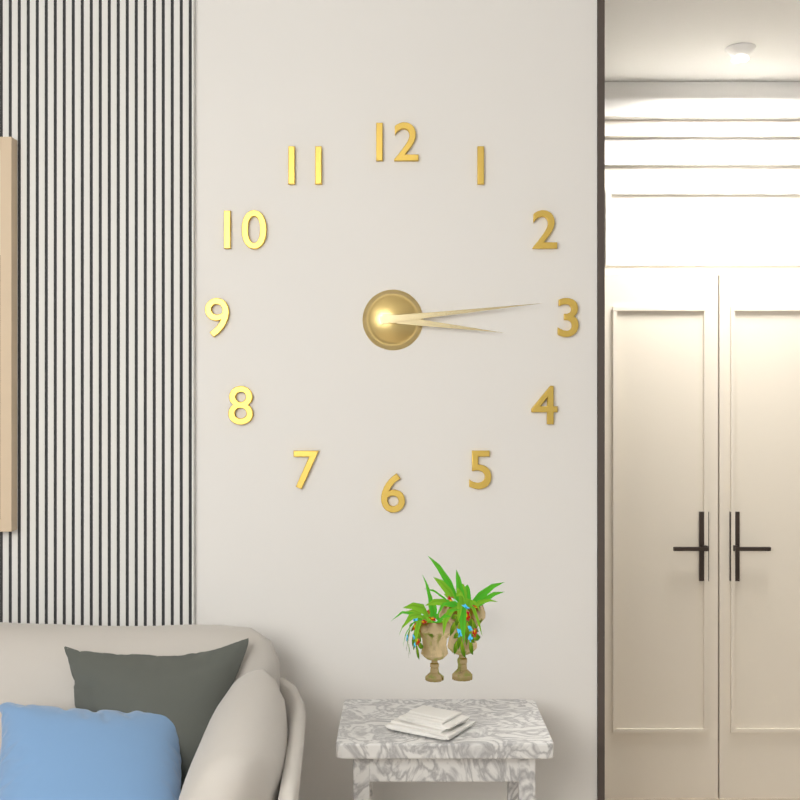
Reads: 3 h 14 min
